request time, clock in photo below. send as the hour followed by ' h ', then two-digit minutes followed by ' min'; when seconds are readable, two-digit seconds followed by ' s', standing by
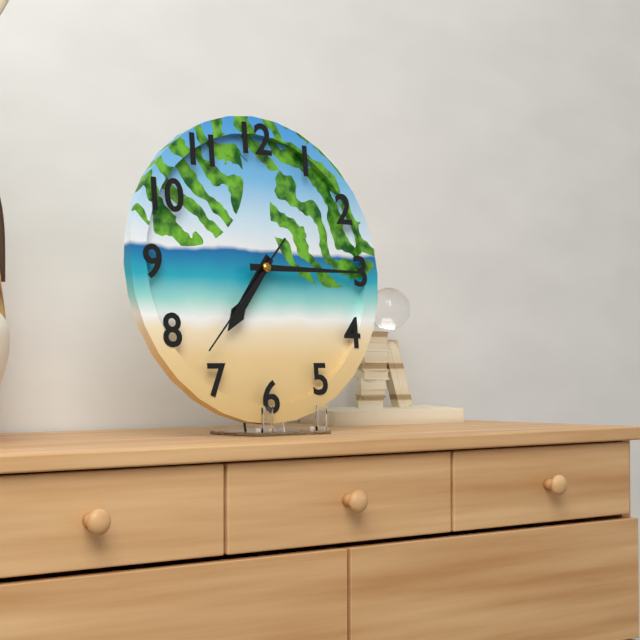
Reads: 7 h 15 min 37 s
